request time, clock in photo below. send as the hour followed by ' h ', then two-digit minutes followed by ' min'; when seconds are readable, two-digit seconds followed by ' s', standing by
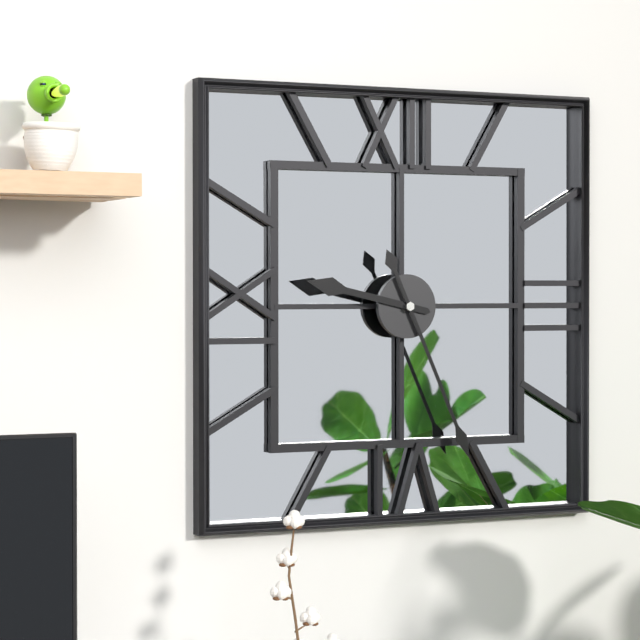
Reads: 9 h 26 min
